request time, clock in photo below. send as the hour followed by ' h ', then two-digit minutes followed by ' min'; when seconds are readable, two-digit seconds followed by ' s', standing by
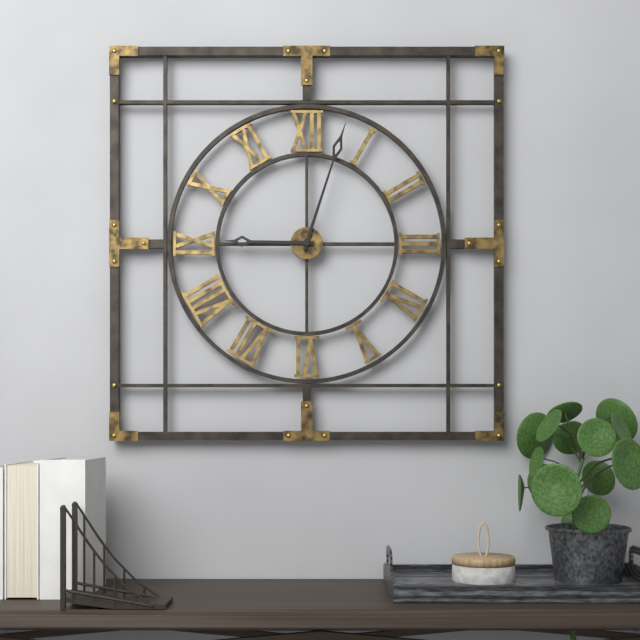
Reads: 9 h 03 min
